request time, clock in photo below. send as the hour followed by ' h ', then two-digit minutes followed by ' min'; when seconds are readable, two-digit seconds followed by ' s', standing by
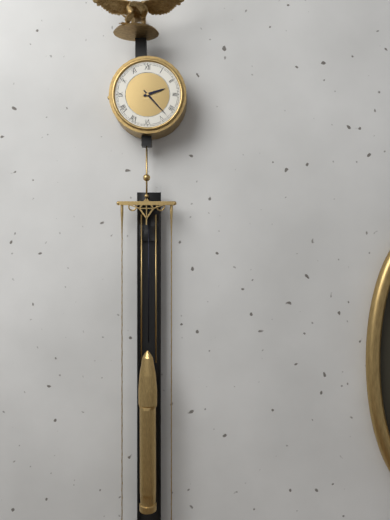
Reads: 2 h 23 min
